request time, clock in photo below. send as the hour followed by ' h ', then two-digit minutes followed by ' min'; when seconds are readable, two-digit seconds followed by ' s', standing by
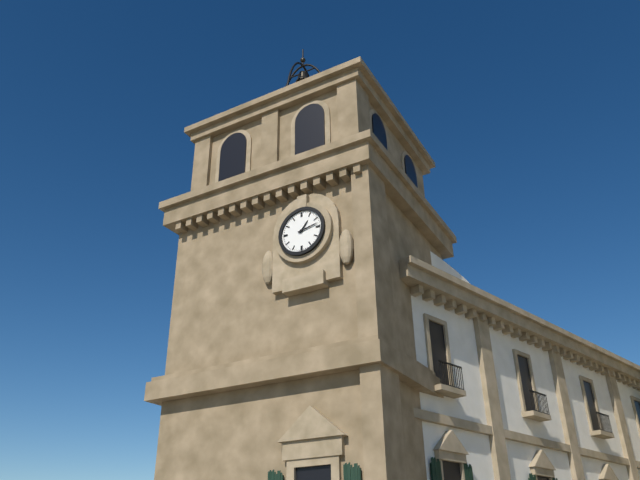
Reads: 1 h 13 min
